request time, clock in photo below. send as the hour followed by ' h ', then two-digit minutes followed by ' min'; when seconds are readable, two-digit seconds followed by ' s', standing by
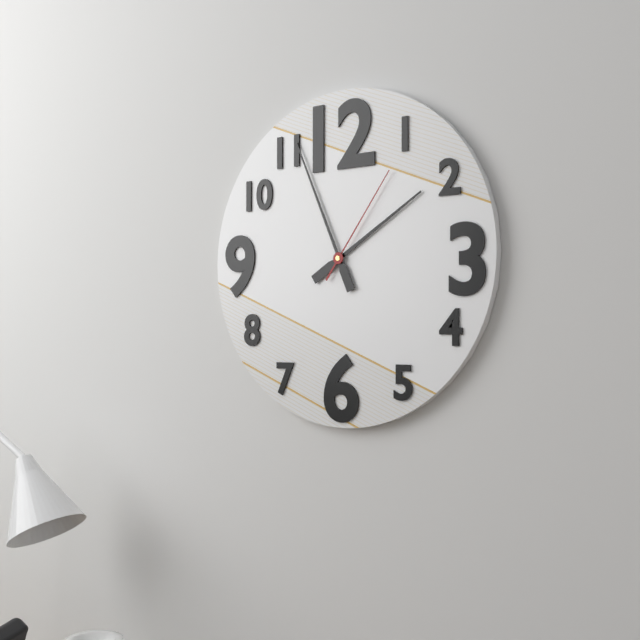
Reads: 1 h 56 min 06 s
